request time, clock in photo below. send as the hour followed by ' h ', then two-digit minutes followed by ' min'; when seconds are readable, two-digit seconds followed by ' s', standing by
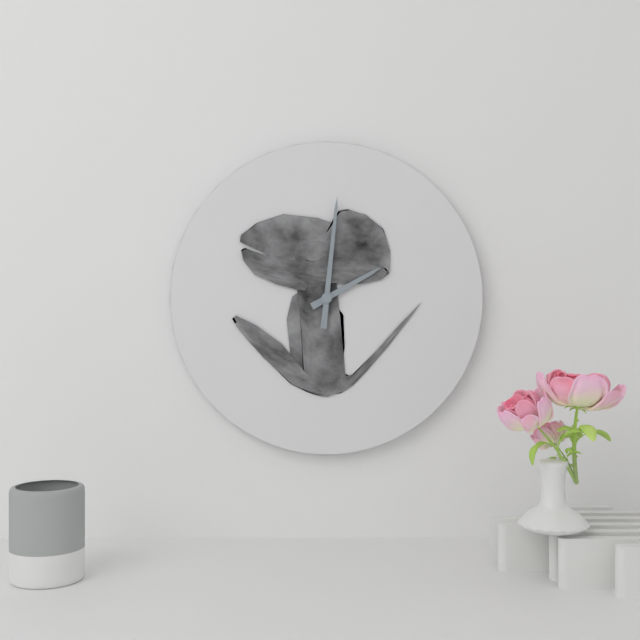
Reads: 2 h 01 min
